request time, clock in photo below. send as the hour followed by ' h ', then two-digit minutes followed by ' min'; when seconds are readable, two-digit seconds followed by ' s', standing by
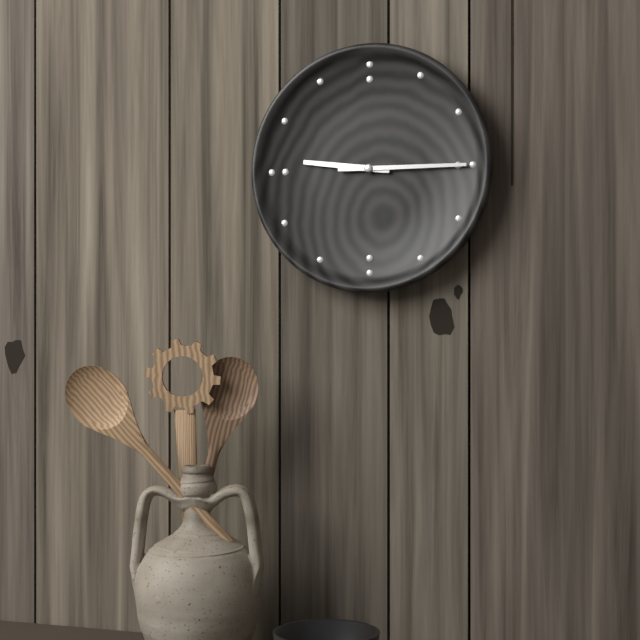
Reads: 9 h 15 min
